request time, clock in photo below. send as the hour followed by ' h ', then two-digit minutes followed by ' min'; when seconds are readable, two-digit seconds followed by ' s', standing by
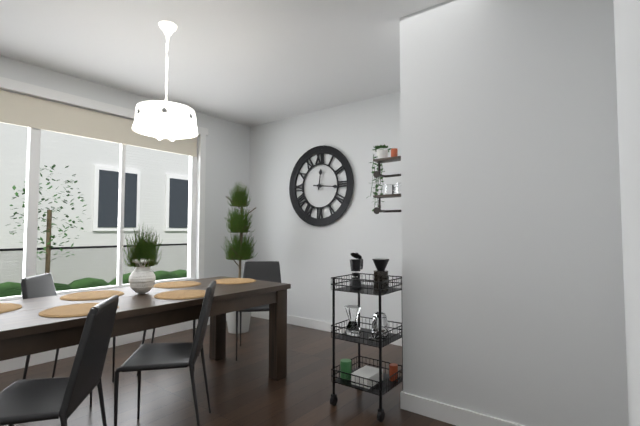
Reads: 12 h 16 min
